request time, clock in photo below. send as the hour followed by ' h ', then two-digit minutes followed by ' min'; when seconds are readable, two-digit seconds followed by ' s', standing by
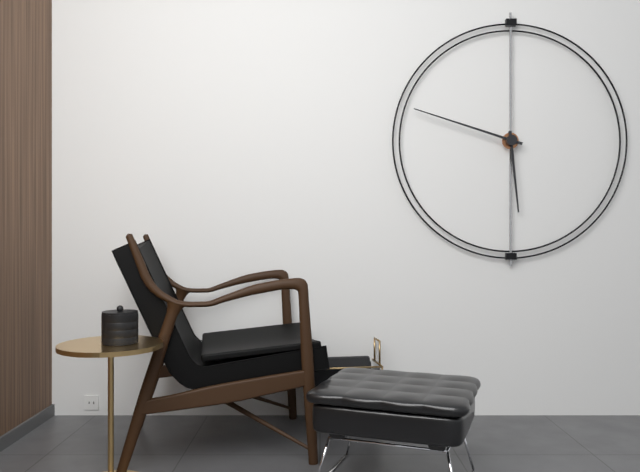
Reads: 5 h 48 min
